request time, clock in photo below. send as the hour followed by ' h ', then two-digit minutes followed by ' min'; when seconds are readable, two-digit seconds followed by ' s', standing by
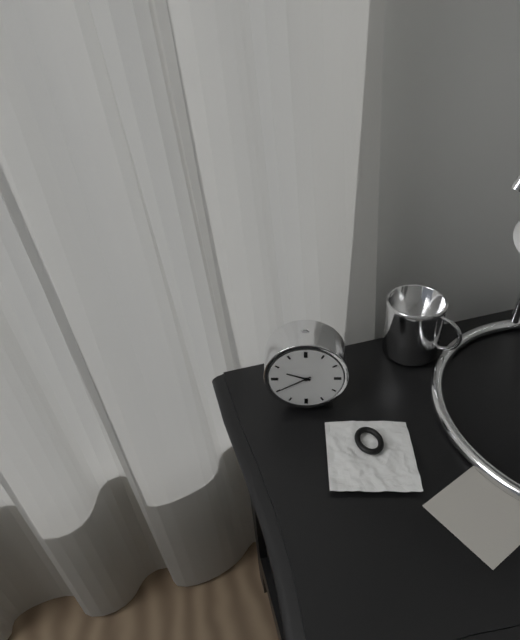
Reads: 9 h 40 min
